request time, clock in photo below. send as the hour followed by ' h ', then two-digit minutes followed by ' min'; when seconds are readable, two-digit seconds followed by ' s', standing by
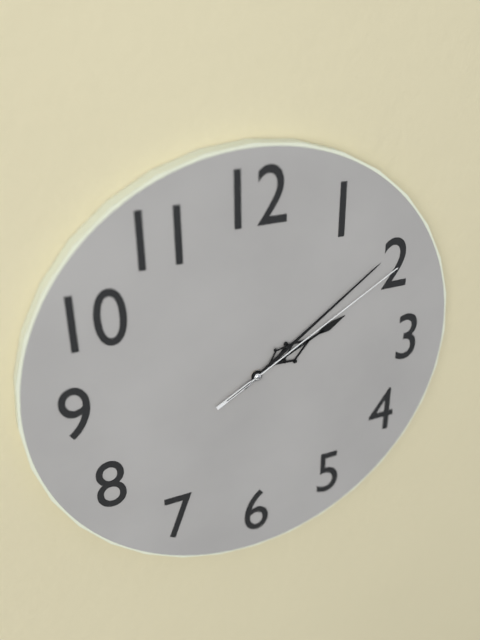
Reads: 2 h 09 min 10 s
